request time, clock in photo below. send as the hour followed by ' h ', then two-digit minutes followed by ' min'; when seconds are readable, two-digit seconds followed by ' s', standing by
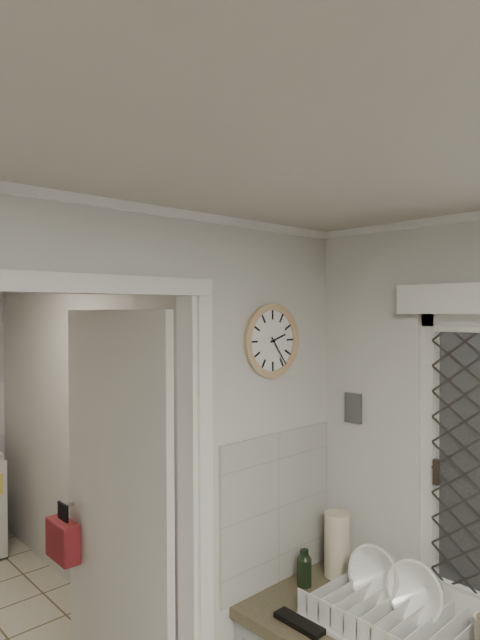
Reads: 2 h 24 min
